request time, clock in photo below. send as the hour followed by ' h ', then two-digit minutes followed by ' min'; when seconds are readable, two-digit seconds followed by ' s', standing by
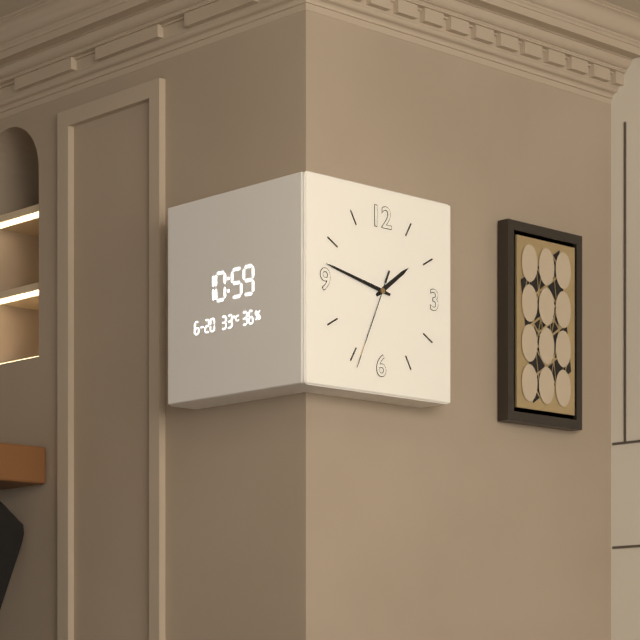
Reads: 1 h 47 min 34 s
